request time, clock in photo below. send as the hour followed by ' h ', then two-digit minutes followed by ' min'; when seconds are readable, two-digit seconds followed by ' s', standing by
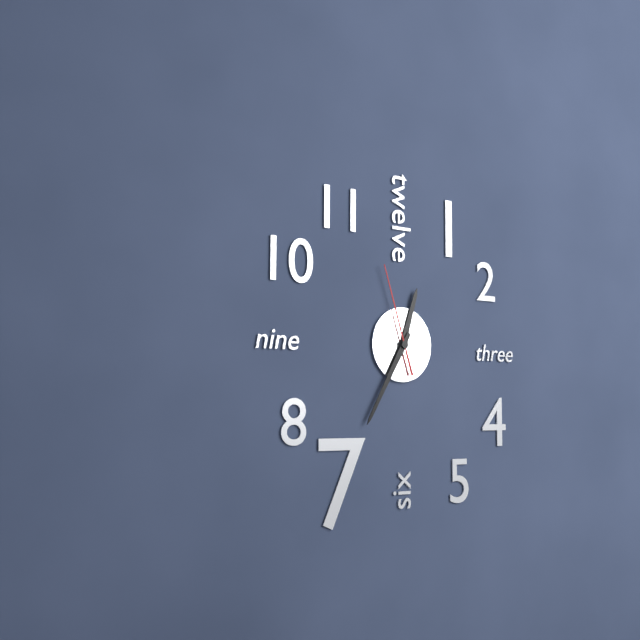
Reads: 12 h 35 min 57 s
